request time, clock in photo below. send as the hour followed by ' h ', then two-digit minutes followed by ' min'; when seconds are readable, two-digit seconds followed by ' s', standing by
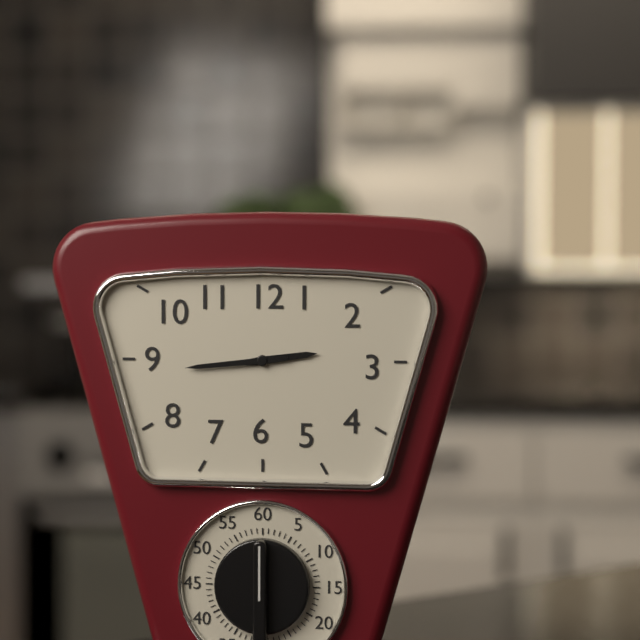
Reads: 2 h 44 min
